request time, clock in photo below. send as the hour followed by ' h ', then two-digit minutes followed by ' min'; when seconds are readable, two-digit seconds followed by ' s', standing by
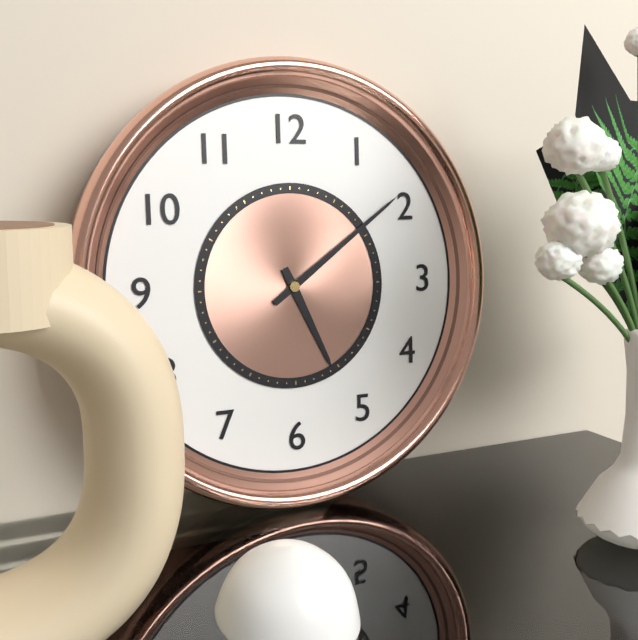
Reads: 5 h 09 min
